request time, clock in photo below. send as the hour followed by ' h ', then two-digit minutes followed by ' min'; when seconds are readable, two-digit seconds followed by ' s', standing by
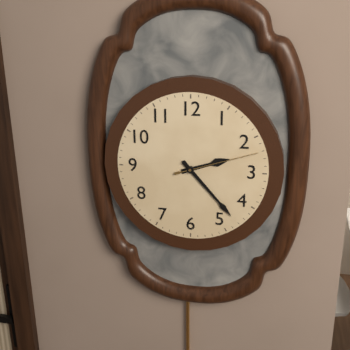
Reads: 2 h 23 min 12 s
